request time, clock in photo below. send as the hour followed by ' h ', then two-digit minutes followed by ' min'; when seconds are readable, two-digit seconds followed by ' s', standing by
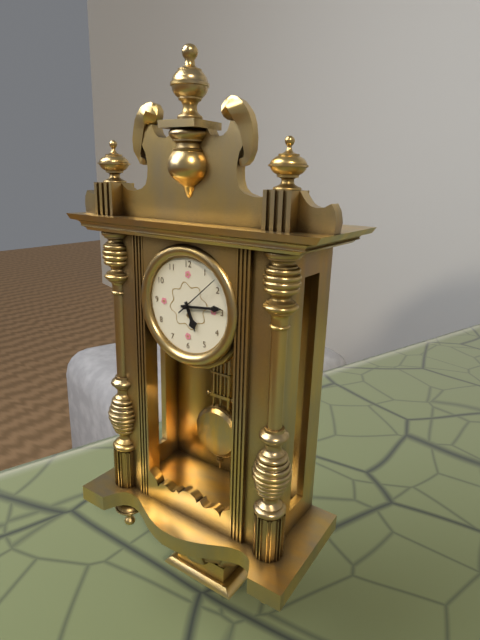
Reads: 5 h 14 min
